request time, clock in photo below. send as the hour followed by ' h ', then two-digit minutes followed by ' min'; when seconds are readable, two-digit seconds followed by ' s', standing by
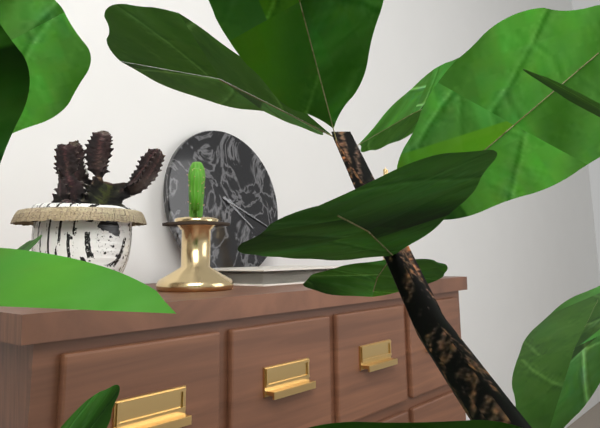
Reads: 4 h 19 min
